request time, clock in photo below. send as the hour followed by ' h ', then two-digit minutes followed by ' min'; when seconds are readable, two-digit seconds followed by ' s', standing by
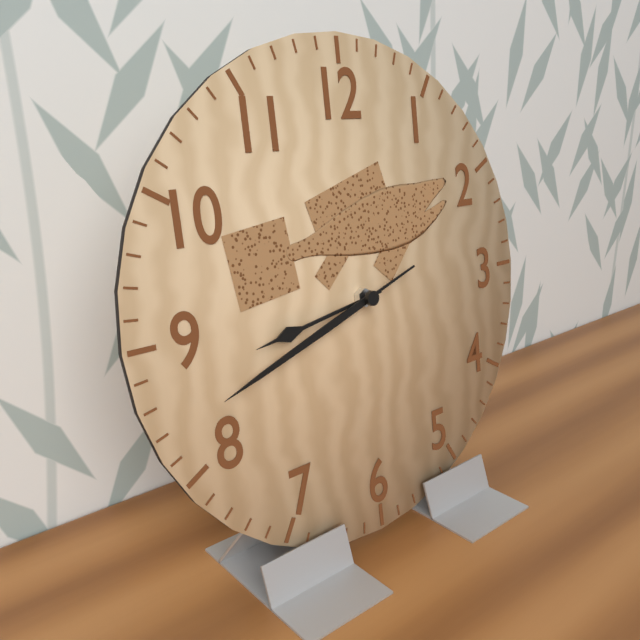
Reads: 8 h 42 min
